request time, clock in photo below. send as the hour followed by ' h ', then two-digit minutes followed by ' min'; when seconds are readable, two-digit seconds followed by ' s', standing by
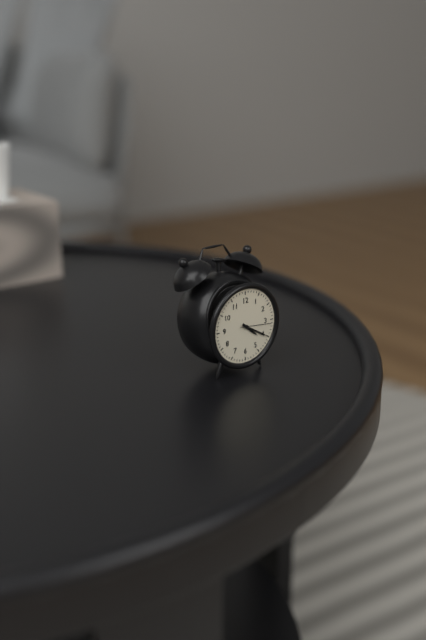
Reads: 4 h 20 min
